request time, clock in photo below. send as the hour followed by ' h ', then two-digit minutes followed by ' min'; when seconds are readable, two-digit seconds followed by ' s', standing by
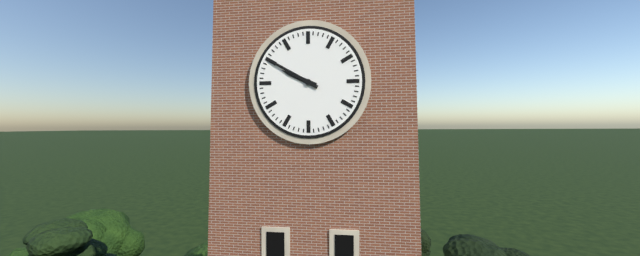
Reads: 9 h 50 min
